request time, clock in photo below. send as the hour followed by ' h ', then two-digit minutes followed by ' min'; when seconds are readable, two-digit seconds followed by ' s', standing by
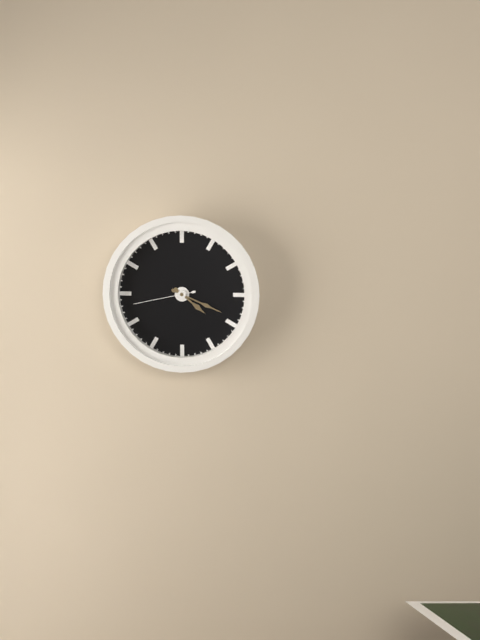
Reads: 4 h 19 min 43 s
